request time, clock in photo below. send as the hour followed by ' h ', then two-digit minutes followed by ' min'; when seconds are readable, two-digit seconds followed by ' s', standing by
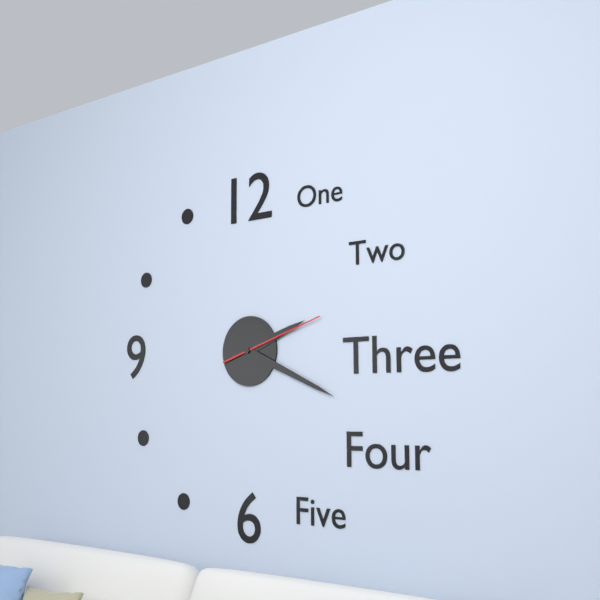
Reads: 2 h 19 min 12 s
